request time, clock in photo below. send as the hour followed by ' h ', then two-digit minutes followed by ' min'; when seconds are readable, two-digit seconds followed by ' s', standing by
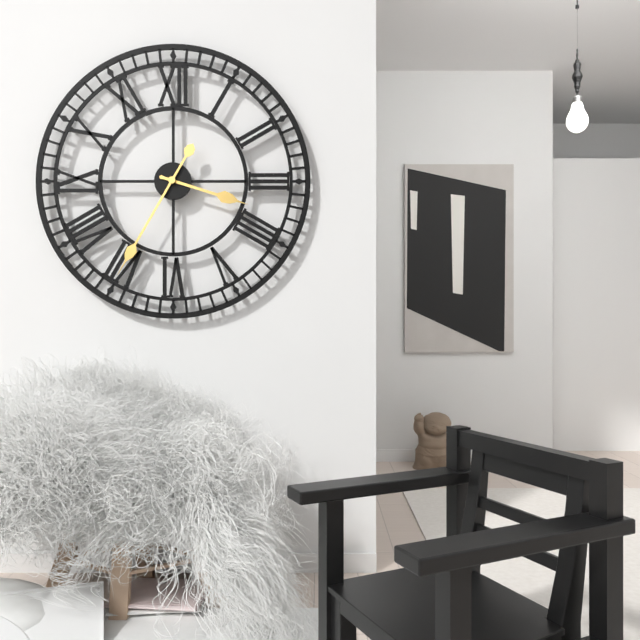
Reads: 3 h 35 min
